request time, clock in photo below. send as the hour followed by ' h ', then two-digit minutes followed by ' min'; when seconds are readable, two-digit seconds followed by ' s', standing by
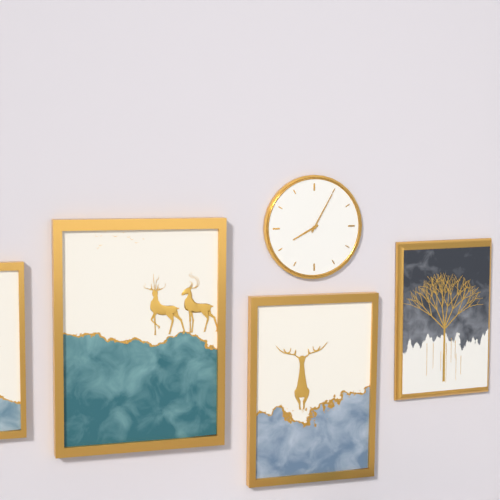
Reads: 8 h 05 min
